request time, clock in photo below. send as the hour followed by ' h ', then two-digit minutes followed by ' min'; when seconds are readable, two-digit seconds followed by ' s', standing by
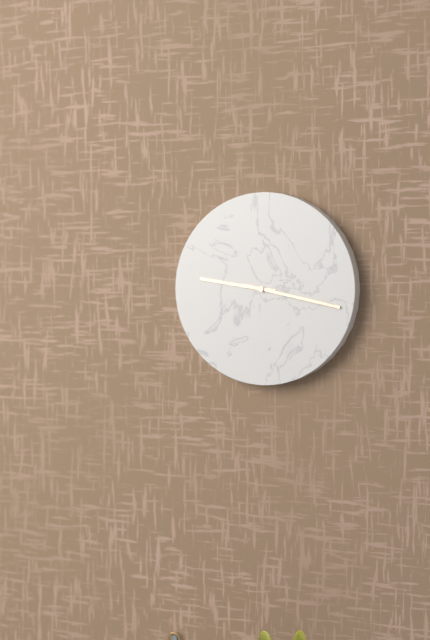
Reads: 9 h 17 min
